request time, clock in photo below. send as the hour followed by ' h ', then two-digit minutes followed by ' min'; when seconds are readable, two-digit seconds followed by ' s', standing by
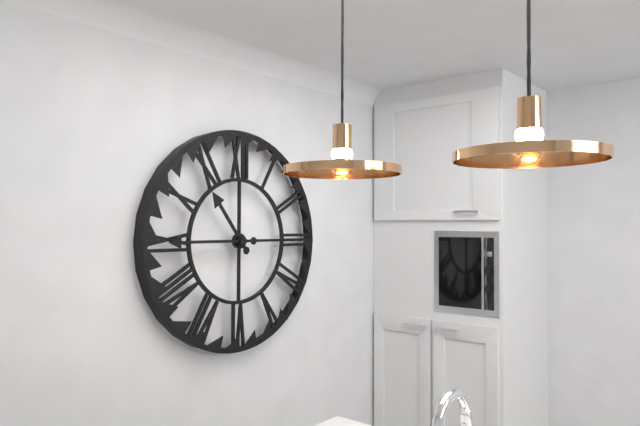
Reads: 10 h 45 min
